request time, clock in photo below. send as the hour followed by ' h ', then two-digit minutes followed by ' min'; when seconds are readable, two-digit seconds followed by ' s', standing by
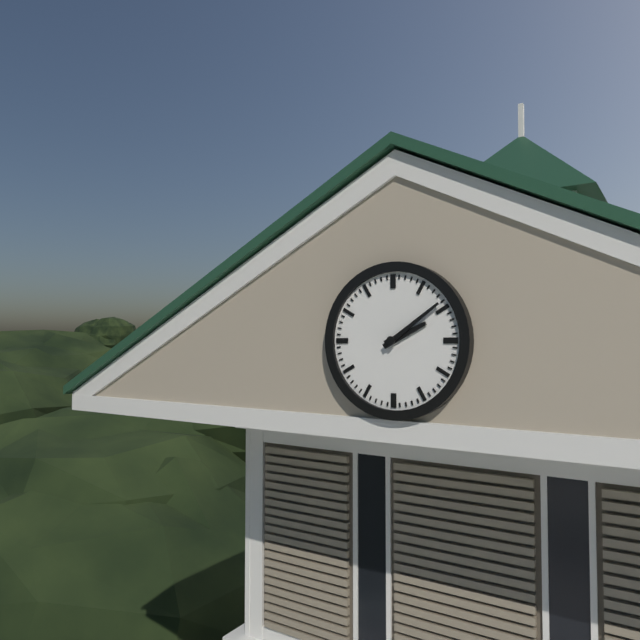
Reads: 2 h 09 min
